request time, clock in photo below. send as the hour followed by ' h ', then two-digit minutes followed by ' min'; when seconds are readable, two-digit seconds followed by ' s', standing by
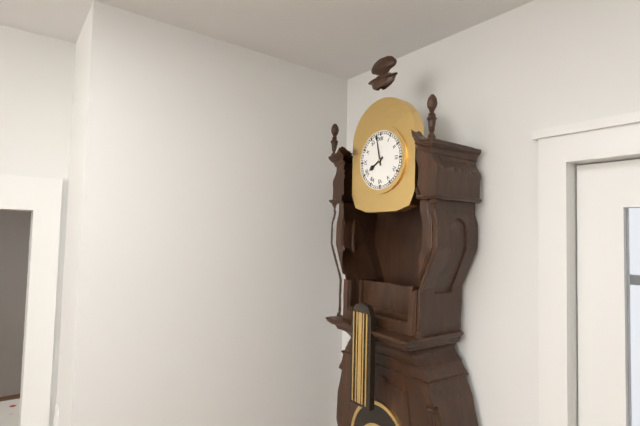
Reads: 7 h 58 min
